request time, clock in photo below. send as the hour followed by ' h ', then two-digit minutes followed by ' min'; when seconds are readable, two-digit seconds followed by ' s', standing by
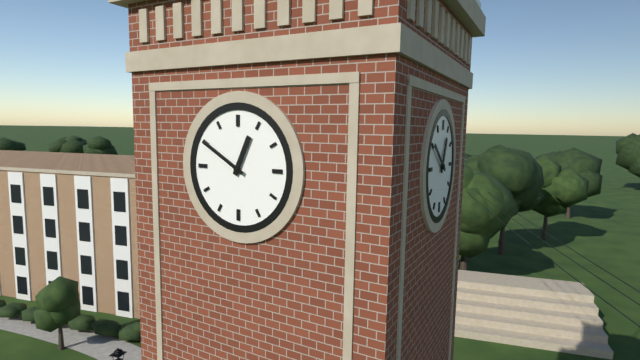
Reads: 12 h 50 min
